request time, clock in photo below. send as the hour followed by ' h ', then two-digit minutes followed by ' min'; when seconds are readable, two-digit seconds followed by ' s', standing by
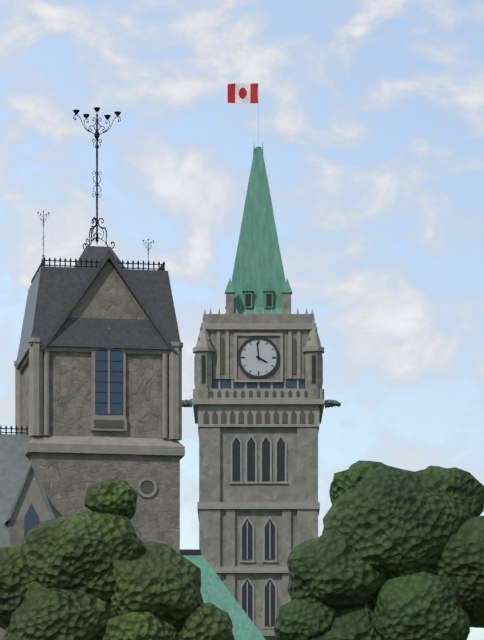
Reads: 3 h 59 min
